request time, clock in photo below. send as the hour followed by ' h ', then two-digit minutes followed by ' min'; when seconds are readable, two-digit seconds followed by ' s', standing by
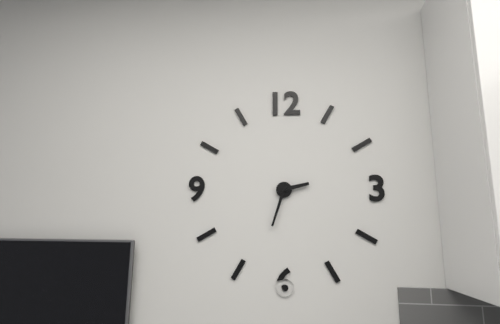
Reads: 2 h 33 min
